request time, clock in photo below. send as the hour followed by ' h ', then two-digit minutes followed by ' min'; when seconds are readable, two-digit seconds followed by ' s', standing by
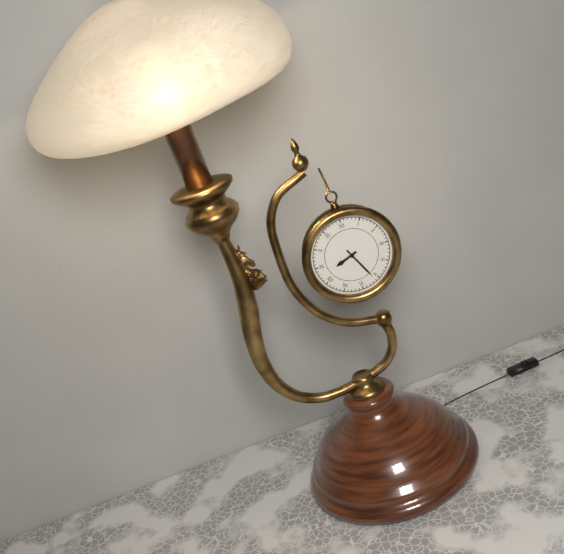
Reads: 8 h 26 min
